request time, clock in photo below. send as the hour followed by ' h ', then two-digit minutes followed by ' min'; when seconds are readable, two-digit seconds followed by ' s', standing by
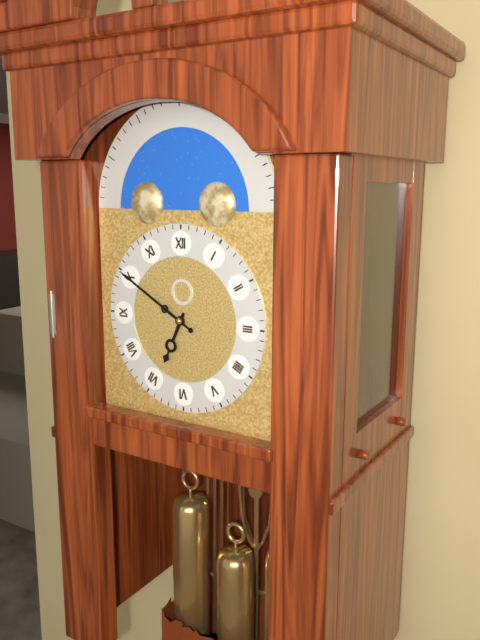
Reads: 6 h 50 min
